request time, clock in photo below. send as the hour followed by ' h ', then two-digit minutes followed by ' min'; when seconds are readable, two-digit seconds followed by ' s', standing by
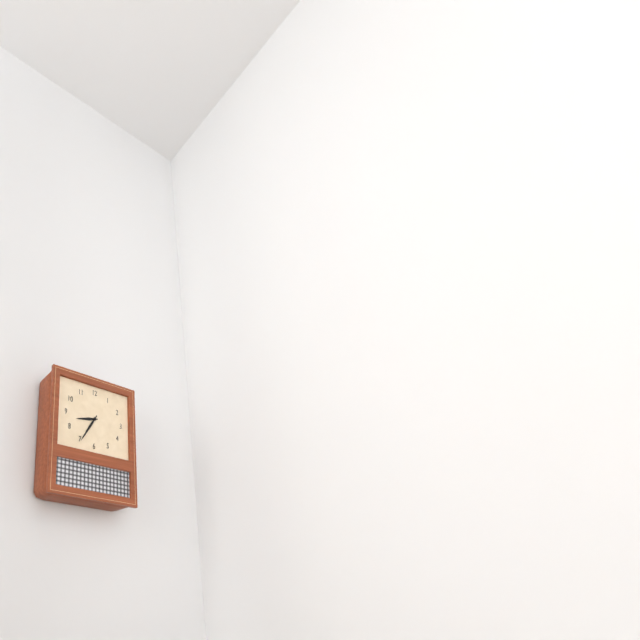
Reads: 8 h 35 min
